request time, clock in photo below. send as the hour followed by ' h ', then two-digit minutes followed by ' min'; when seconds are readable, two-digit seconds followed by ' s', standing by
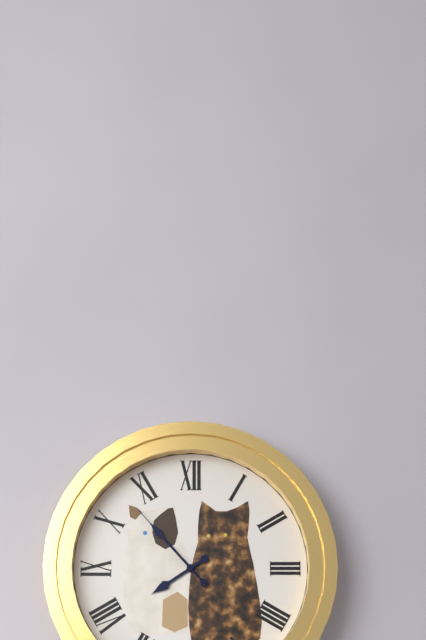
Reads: 7 h 53 min 53 s
